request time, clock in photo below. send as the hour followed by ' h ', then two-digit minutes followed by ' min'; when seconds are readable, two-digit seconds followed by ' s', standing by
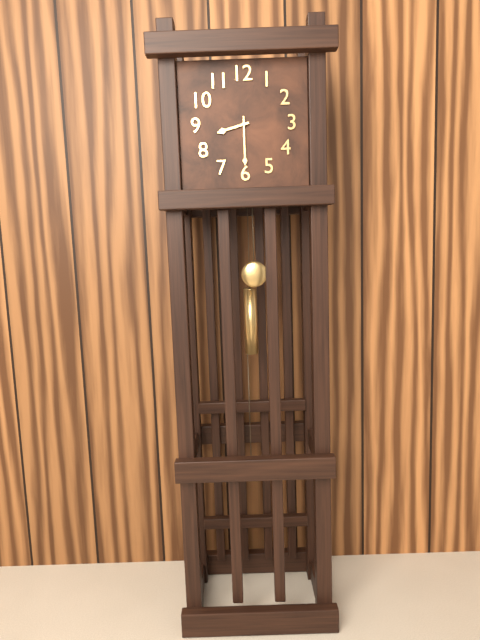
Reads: 8 h 30 min
